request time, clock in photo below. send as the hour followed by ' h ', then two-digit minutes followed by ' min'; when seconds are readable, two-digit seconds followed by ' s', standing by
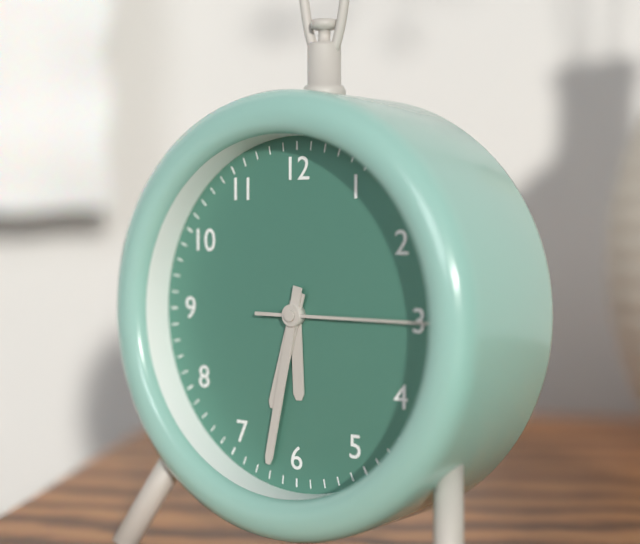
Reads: 6 h 32 min 15 s
